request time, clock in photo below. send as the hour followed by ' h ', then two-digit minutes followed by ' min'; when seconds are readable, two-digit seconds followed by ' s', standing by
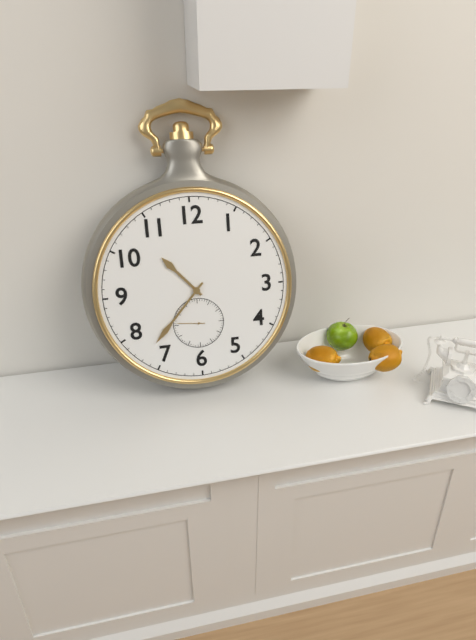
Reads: 10 h 37 min
